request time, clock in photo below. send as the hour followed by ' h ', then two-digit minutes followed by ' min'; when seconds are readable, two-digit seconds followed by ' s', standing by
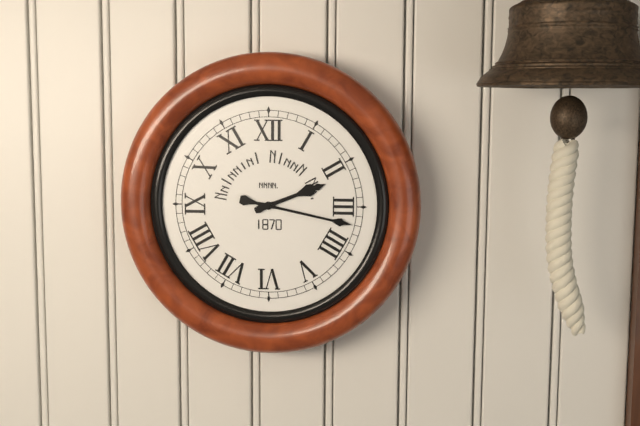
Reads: 2 h 17 min
